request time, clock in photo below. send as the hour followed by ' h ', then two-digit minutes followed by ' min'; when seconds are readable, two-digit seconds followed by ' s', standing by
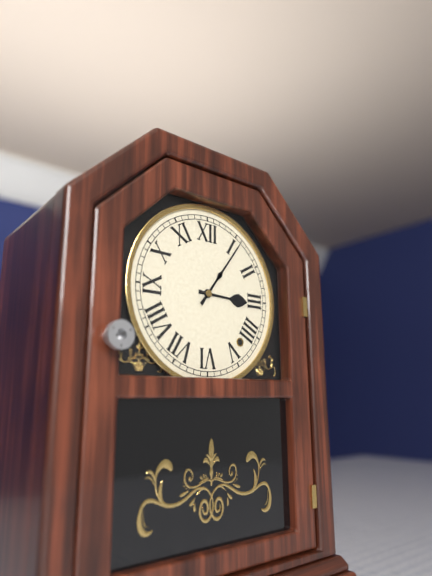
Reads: 3 h 06 min
